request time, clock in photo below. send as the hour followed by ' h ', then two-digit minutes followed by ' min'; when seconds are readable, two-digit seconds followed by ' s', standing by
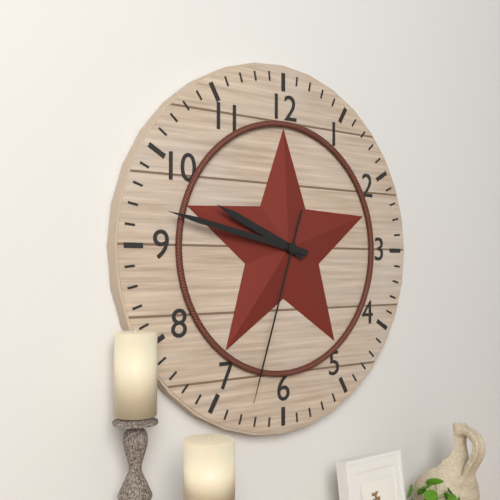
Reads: 9 h 47 min 33 s
